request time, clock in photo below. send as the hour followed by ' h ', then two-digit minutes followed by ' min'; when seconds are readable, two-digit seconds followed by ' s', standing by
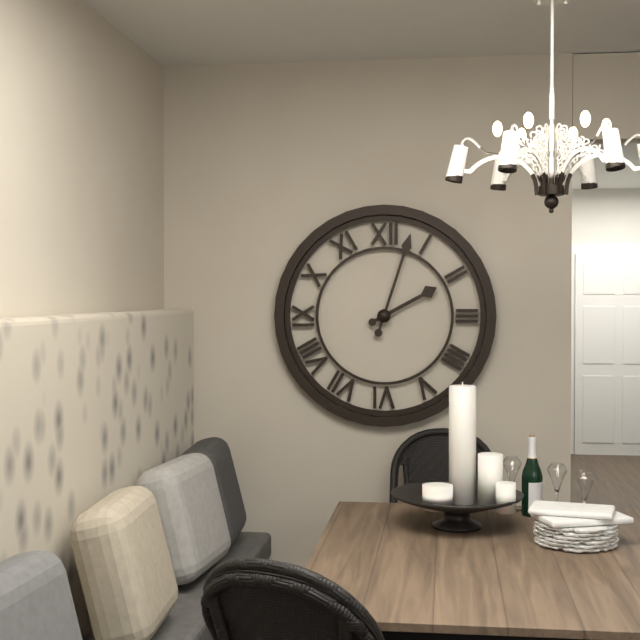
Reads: 2 h 03 min
